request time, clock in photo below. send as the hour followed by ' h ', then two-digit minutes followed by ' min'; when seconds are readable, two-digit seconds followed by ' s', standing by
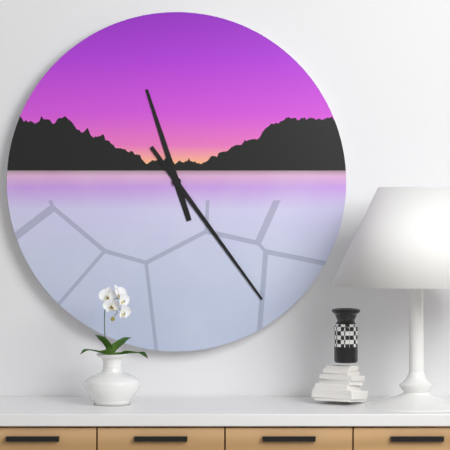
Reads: 11 h 24 min
